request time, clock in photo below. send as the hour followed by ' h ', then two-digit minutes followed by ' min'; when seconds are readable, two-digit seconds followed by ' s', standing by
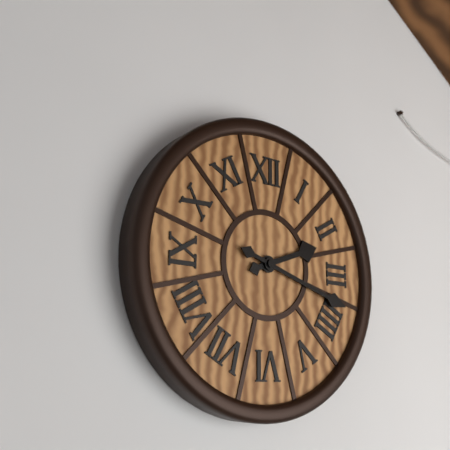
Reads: 2 h 18 min
